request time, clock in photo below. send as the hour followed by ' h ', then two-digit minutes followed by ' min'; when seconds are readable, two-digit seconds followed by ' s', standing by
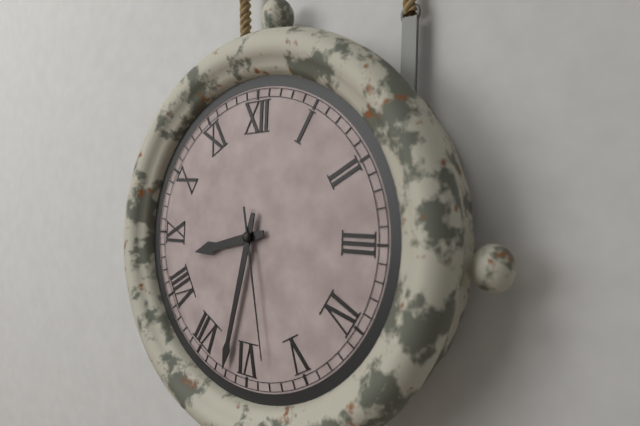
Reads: 8 h 32 min 28 s
